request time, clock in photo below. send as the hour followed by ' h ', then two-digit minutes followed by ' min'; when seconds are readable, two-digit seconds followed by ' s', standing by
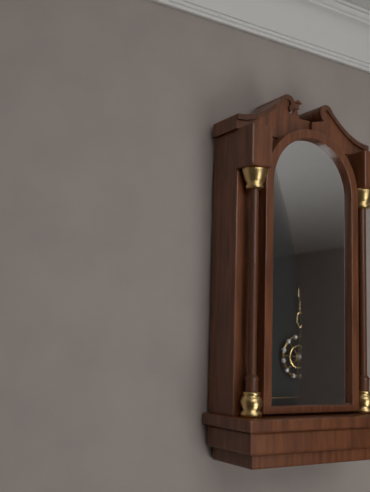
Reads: 4 h 14 min
